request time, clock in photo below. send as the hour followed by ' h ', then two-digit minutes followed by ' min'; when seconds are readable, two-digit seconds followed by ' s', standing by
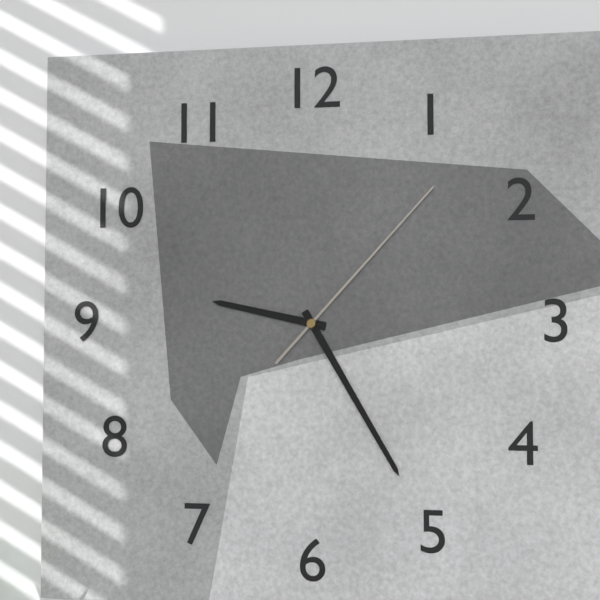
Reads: 9 h 25 min 07 s
